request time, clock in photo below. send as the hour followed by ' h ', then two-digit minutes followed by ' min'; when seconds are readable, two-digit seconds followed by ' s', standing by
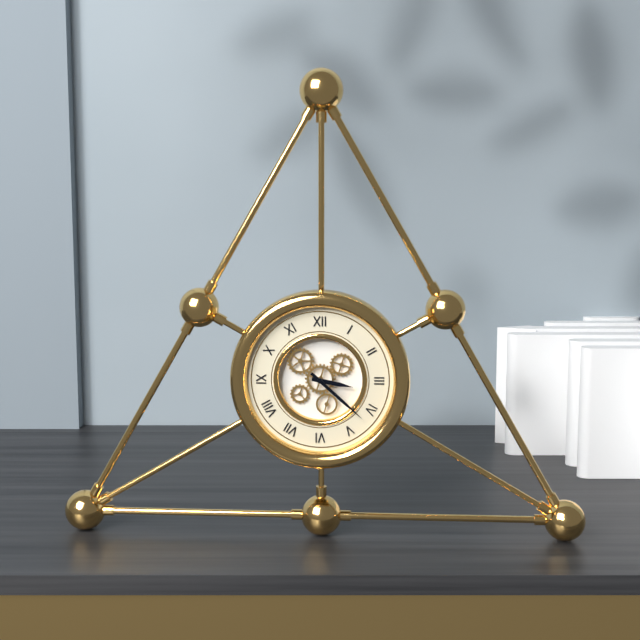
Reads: 3 h 22 min
